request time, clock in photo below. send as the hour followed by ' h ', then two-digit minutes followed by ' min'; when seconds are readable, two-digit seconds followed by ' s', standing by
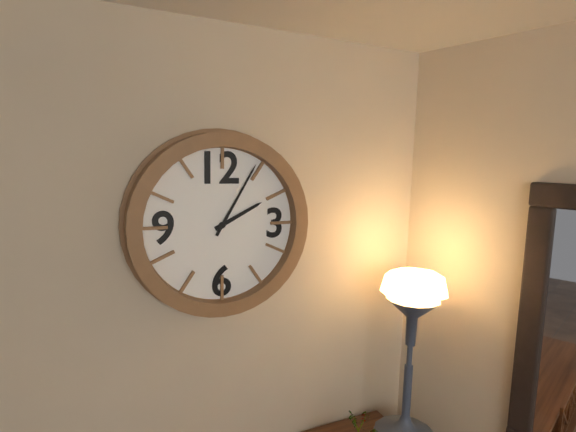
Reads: 2 h 05 min
